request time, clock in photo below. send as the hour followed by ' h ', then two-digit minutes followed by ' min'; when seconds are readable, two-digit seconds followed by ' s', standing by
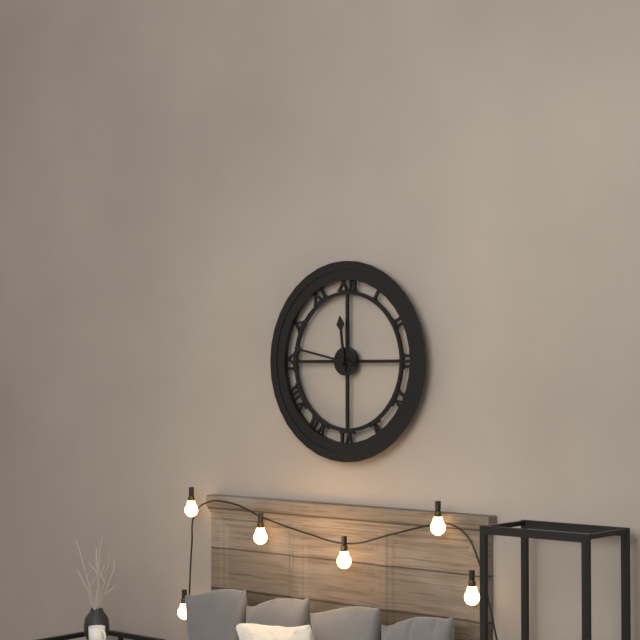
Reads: 11 h 47 min
